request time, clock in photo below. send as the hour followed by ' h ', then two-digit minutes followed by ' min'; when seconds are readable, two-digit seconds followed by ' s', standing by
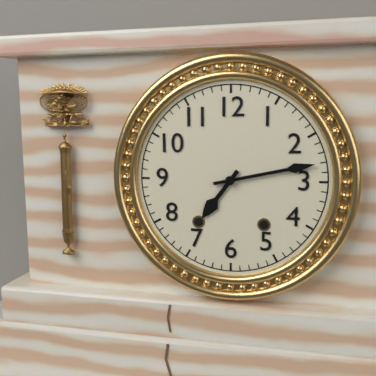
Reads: 7 h 13 min
